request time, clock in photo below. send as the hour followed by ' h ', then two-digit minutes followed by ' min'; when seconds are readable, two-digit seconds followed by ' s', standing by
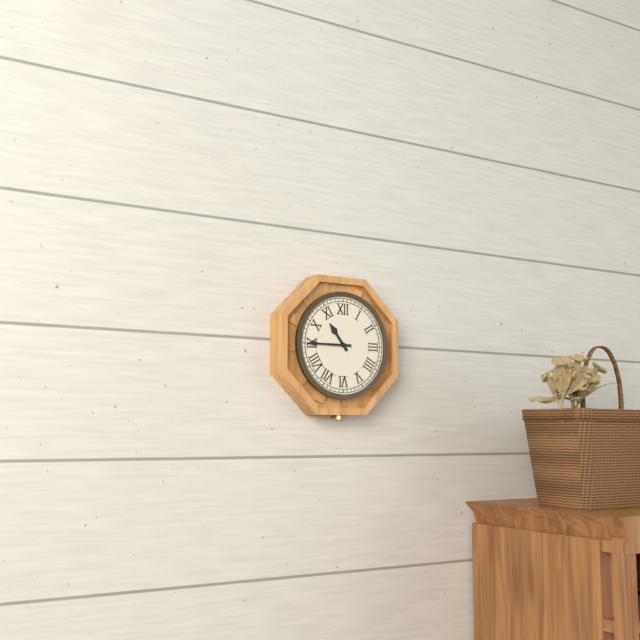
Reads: 10 h 45 min
